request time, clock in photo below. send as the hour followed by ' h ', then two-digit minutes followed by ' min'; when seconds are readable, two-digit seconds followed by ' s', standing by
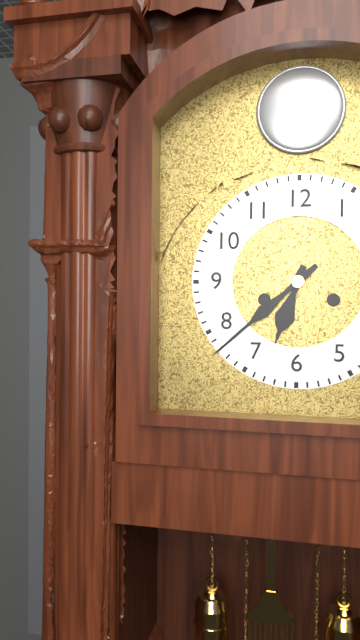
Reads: 6 h 38 min
